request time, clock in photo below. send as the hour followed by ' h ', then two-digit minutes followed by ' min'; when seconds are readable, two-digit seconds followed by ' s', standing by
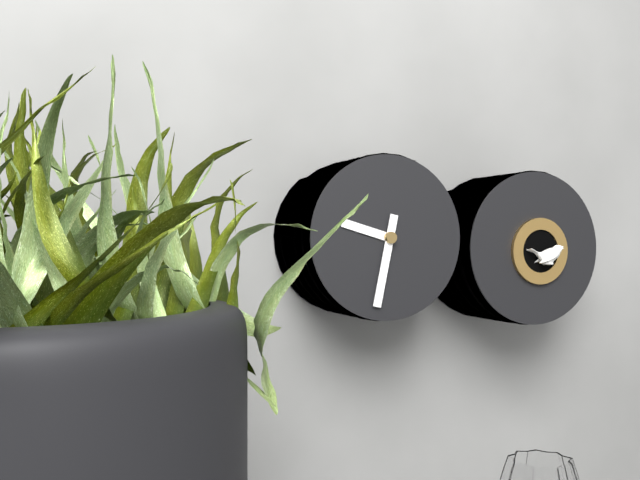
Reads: 9 h 32 min
